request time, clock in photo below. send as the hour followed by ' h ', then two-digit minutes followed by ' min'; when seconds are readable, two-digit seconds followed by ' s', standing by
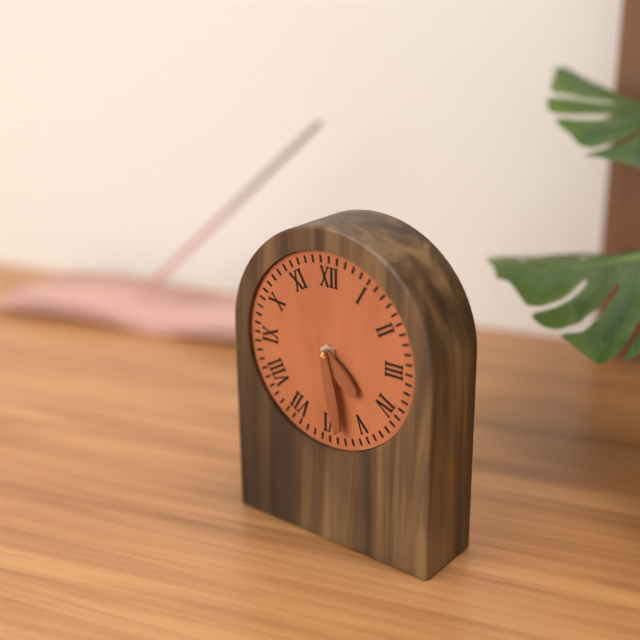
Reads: 4 h 28 min
